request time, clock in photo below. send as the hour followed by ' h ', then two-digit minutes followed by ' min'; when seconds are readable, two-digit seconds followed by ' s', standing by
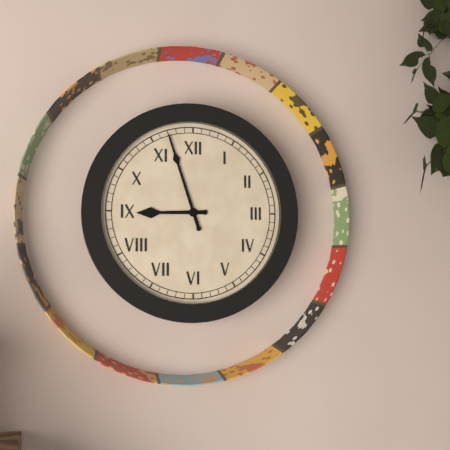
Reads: 8 h 57 min
